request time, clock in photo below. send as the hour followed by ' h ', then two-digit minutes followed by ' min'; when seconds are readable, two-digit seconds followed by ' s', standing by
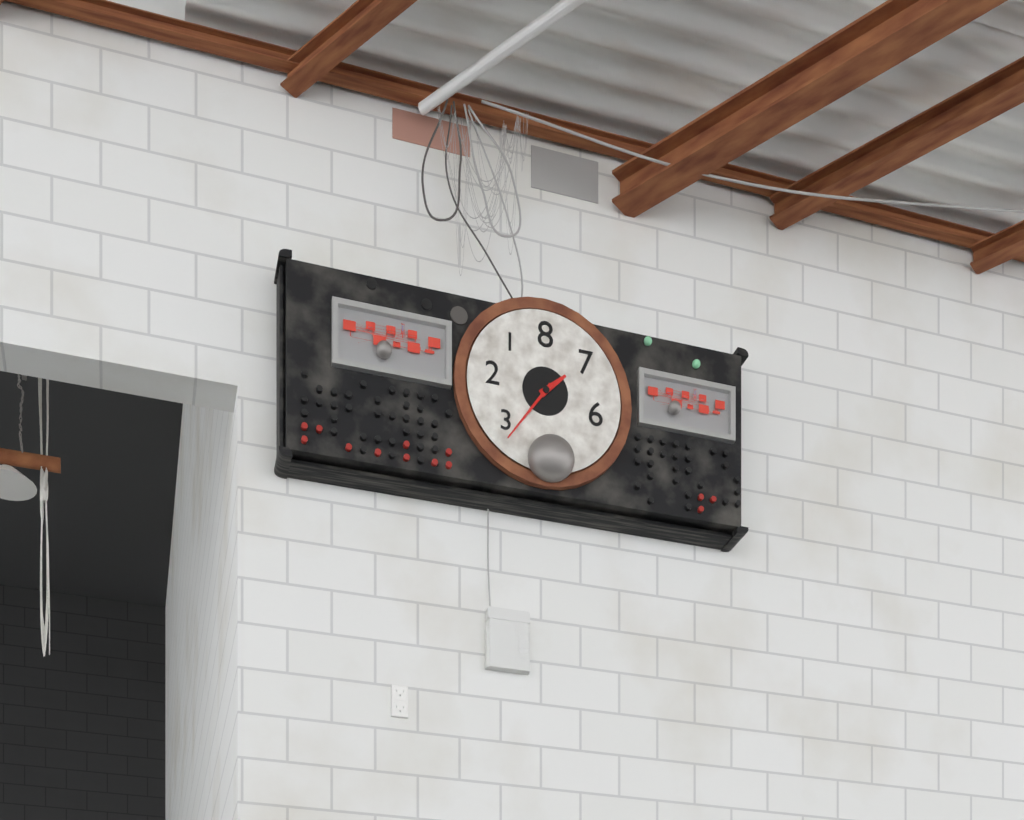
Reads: 1 h 36 min
